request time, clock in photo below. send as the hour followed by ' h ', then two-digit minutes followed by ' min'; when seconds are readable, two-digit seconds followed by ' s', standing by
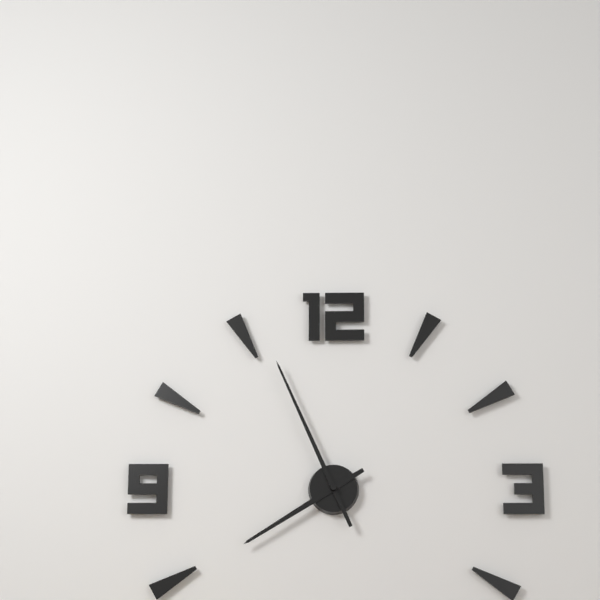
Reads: 7 h 56 min
